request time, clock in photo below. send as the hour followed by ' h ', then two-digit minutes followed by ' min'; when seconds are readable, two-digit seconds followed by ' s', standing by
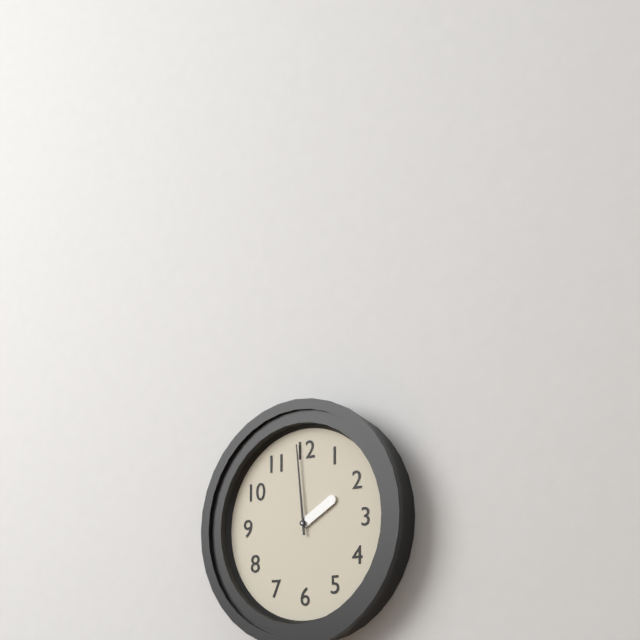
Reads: 1 h 59 min
